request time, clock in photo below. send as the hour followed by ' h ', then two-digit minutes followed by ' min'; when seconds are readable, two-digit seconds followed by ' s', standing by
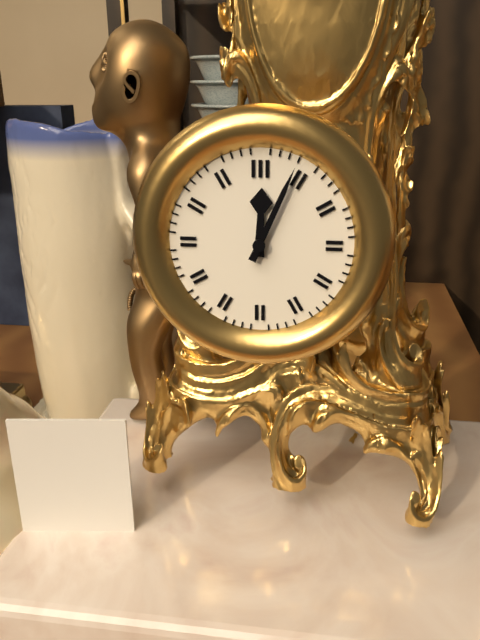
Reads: 12 h 04 min
